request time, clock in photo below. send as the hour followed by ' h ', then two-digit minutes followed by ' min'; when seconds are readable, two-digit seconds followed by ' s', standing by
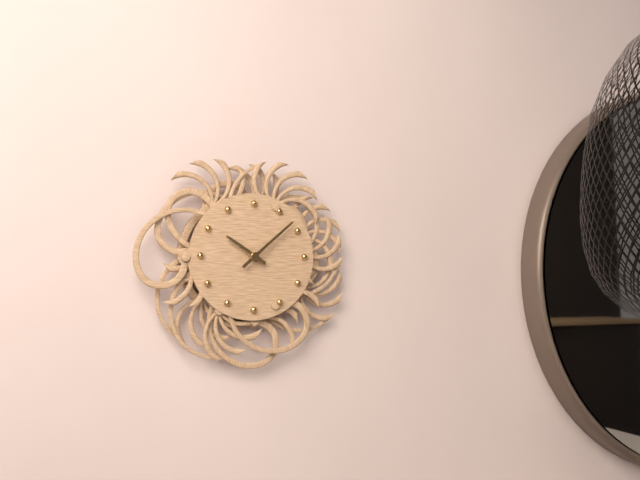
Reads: 10 h 08 min
